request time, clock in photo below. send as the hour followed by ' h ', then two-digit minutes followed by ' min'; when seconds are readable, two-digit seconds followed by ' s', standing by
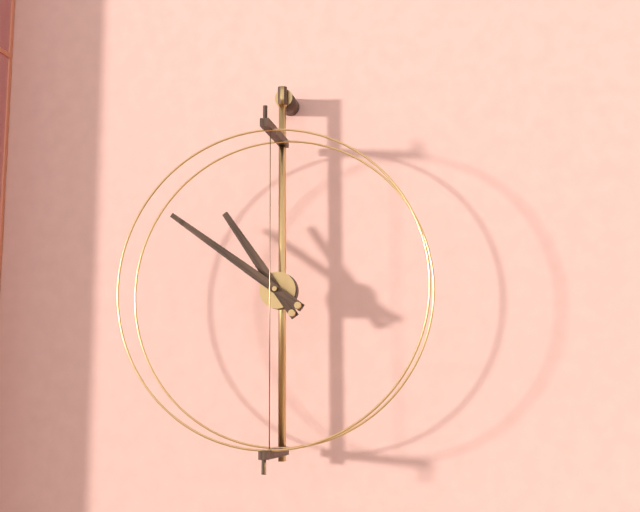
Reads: 10 h 51 min
